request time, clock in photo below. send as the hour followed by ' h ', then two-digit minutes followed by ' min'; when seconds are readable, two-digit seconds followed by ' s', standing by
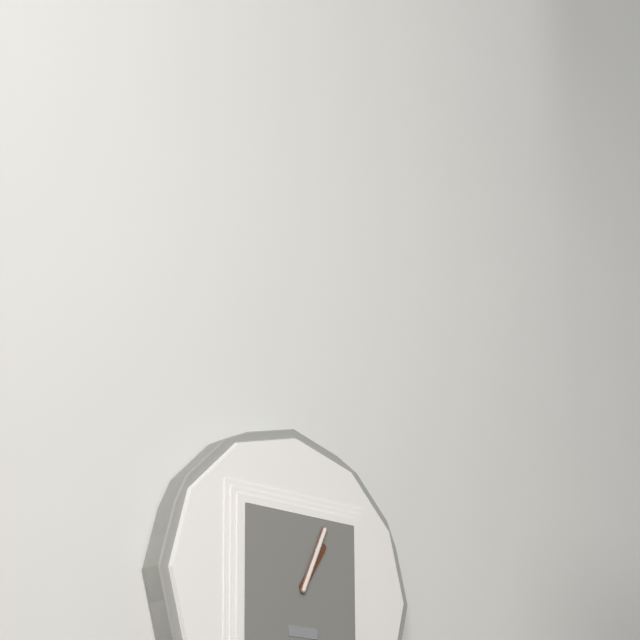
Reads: 1 h 04 min
